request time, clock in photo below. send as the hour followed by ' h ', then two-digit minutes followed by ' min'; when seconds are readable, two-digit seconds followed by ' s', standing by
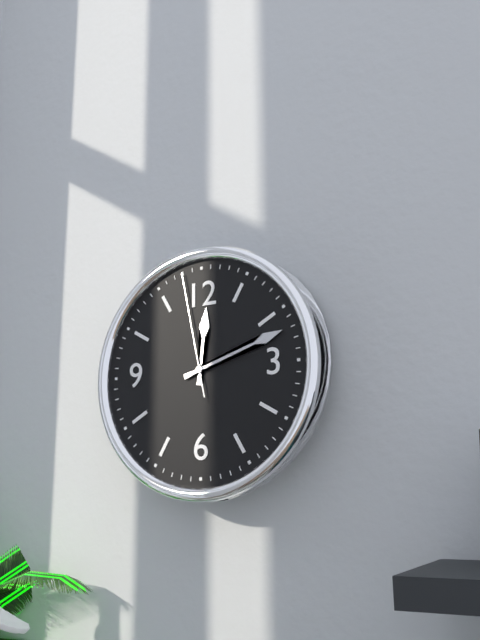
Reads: 12 h 12 min 58 s
